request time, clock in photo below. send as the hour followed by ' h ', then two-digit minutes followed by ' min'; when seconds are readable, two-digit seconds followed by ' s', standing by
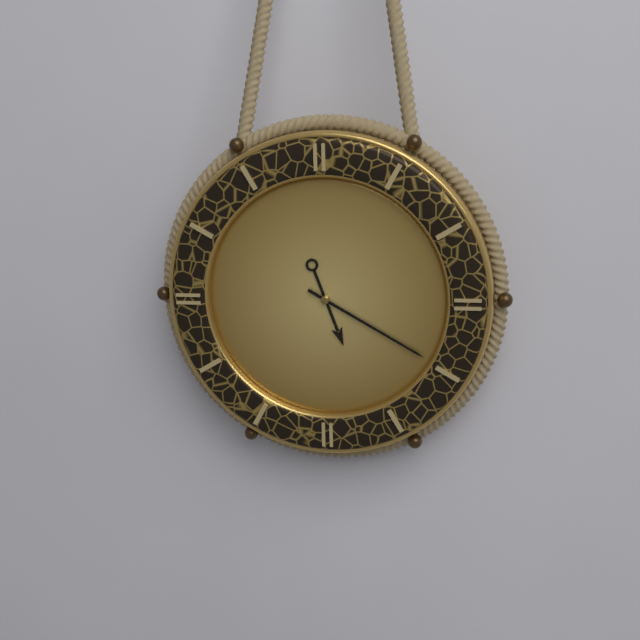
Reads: 5 h 20 min
